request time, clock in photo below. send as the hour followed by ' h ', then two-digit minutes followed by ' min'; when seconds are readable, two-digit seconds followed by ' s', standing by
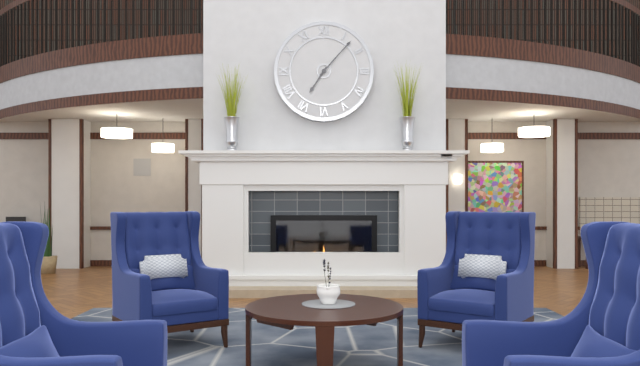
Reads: 7 h 07 min
